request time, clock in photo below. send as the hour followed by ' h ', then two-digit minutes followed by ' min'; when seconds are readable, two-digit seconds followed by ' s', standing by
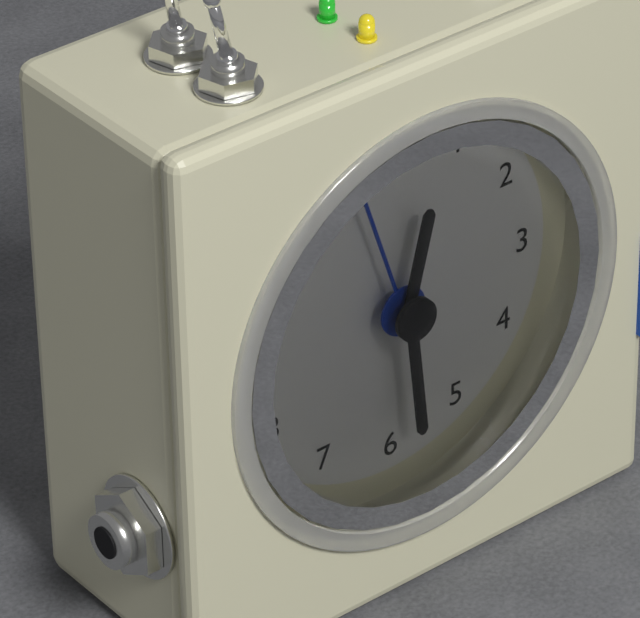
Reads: 12 h 29 min 57 s
